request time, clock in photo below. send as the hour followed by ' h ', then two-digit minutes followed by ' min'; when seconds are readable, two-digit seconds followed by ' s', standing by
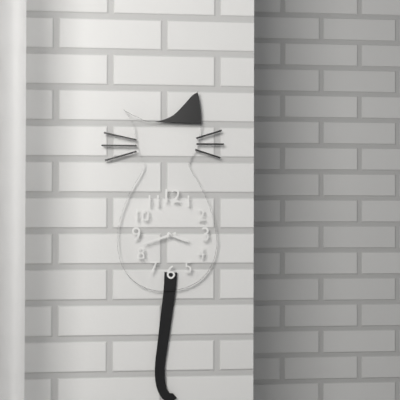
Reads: 3 h 42 min
